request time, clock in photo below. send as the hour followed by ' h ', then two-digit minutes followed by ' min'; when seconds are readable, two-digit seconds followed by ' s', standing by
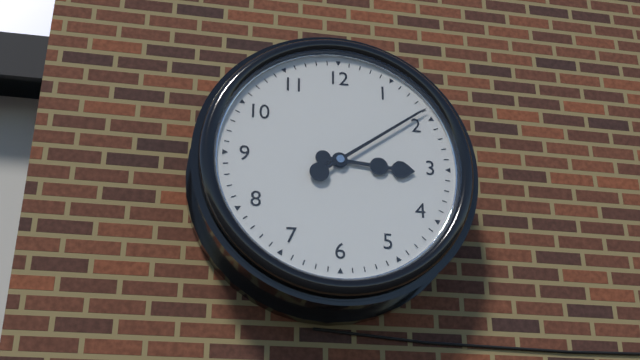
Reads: 3 h 09 min
